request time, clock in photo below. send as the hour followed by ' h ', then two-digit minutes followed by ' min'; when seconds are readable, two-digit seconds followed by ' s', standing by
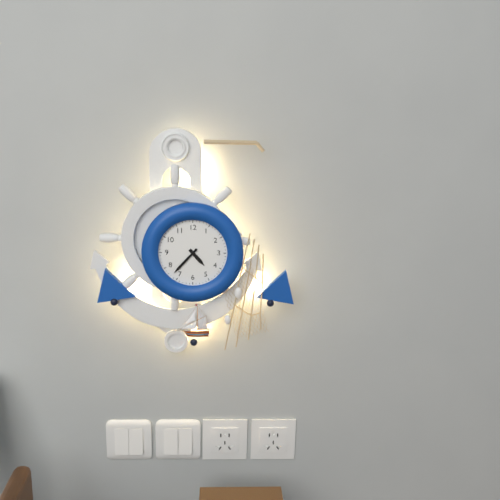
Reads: 4 h 37 min
